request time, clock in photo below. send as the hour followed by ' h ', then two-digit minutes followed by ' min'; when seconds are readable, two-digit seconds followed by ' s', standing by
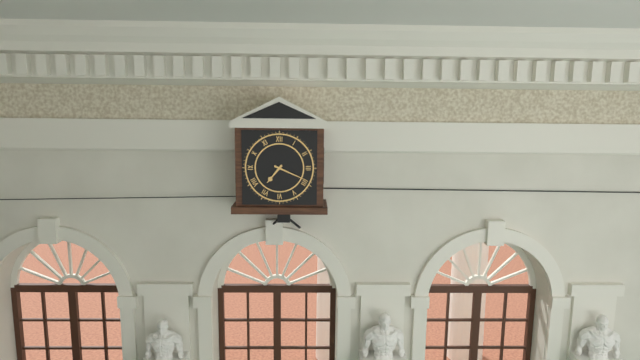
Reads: 7 h 19 min
